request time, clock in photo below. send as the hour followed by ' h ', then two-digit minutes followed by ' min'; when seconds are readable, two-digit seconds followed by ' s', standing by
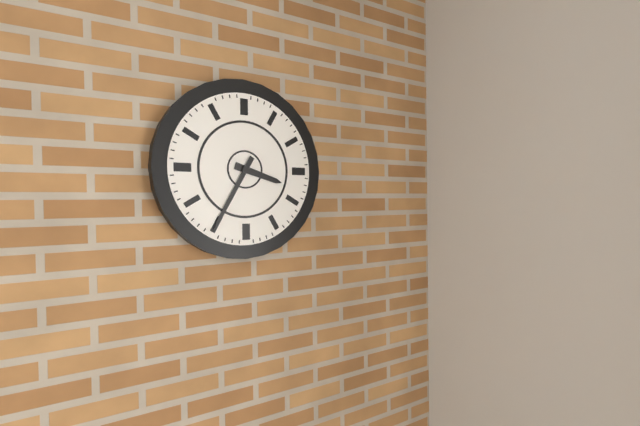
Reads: 3 h 35 min
